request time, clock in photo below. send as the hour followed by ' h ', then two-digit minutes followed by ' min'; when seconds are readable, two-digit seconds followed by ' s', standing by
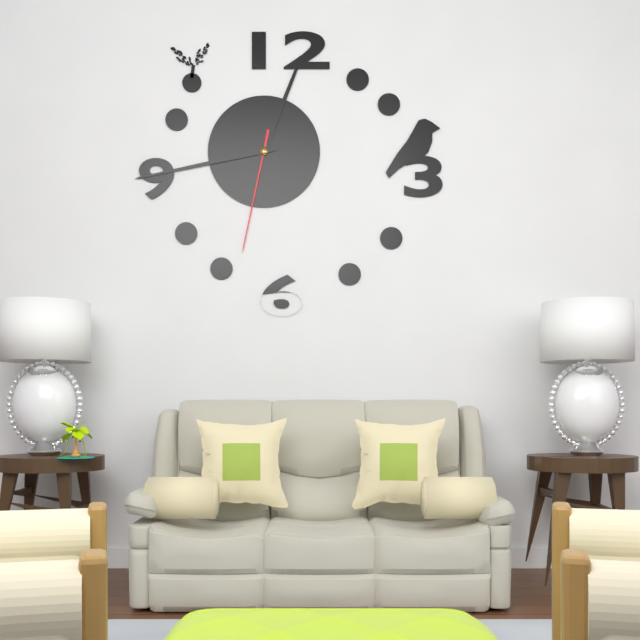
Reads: 12 h 43 min 32 s
